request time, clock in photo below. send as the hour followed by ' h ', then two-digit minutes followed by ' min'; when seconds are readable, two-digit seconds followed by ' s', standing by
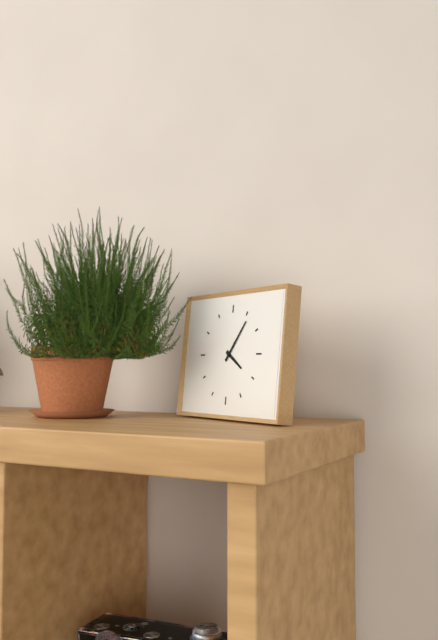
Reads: 4 h 06 min
